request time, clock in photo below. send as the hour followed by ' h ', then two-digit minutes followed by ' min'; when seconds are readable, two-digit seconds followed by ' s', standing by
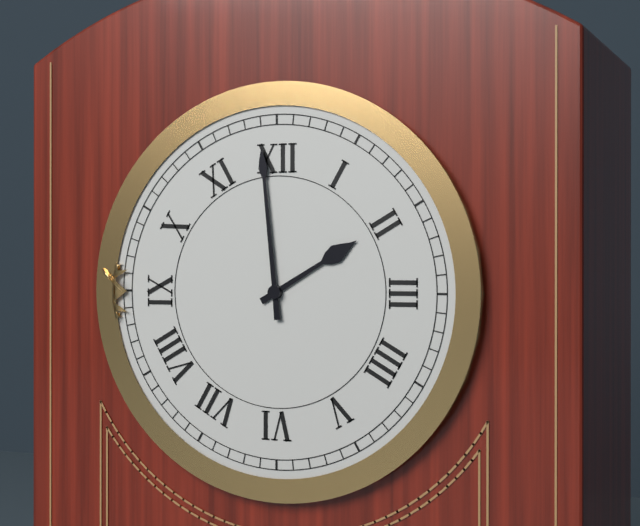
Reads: 1 h 59 min
